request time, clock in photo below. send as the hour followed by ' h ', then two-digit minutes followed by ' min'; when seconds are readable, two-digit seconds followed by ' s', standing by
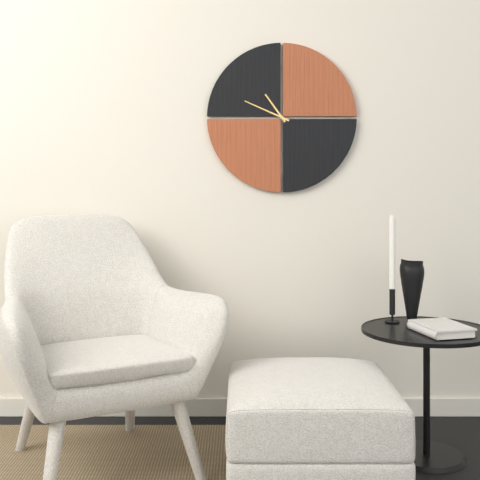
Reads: 10 h 49 min
